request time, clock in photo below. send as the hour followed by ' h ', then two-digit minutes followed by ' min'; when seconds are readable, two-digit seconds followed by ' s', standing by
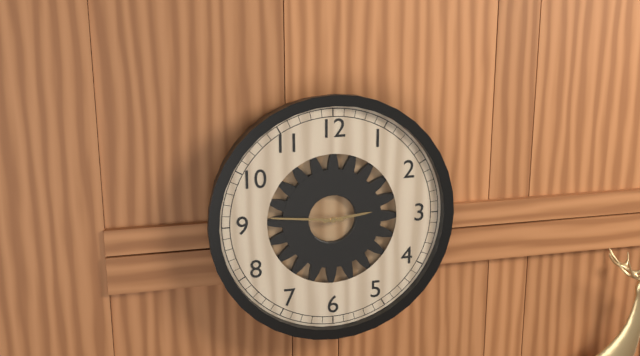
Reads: 2 h 46 min
